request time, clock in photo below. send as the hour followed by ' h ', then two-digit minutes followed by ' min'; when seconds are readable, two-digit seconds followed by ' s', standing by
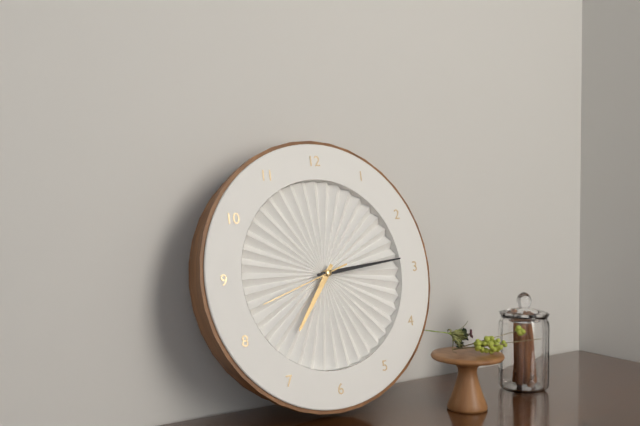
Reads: 7 h 14 min 42 s
